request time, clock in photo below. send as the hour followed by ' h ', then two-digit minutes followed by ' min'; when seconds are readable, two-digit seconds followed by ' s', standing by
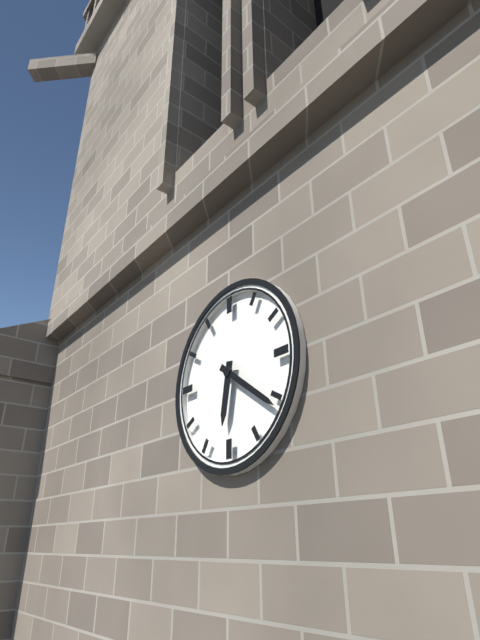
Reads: 6 h 21 min
